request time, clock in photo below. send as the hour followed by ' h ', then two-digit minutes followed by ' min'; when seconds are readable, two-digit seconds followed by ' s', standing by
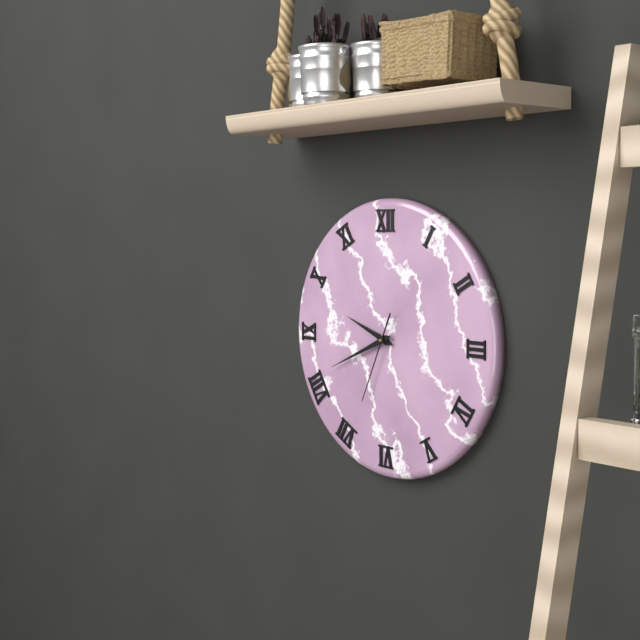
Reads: 9 h 41 min 34 s
